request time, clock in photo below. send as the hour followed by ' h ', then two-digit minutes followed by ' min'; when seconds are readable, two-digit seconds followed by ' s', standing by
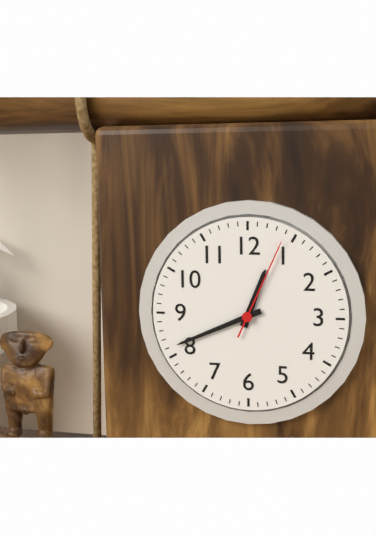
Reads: 12 h 41 min 04 s
